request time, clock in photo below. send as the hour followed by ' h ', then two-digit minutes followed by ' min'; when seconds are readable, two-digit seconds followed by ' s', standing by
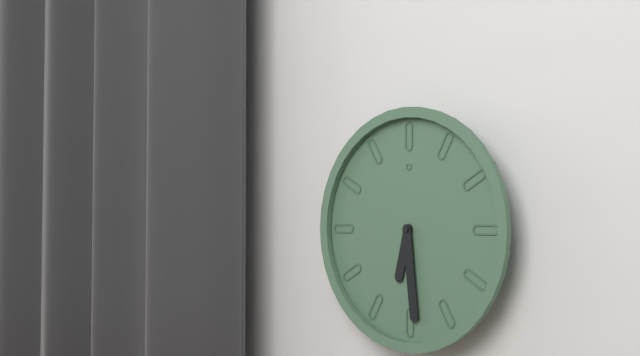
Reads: 6 h 29 min
